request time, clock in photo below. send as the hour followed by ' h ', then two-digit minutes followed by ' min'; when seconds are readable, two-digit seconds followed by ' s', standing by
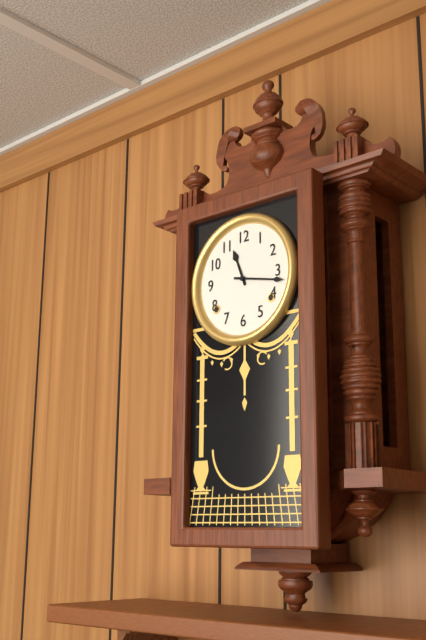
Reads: 11 h 17 min
